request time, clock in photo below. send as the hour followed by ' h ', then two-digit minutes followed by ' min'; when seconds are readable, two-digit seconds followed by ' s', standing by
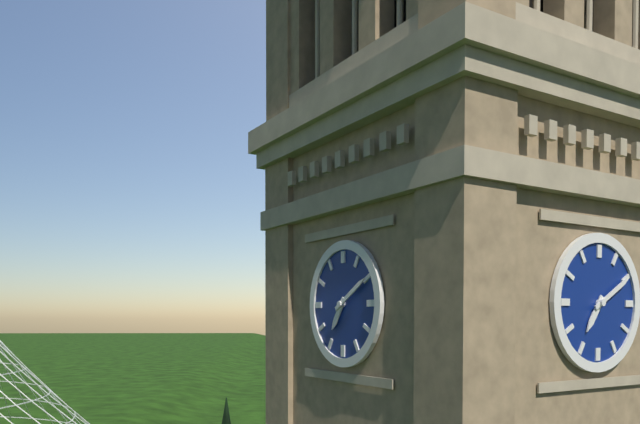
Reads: 7 h 10 min
